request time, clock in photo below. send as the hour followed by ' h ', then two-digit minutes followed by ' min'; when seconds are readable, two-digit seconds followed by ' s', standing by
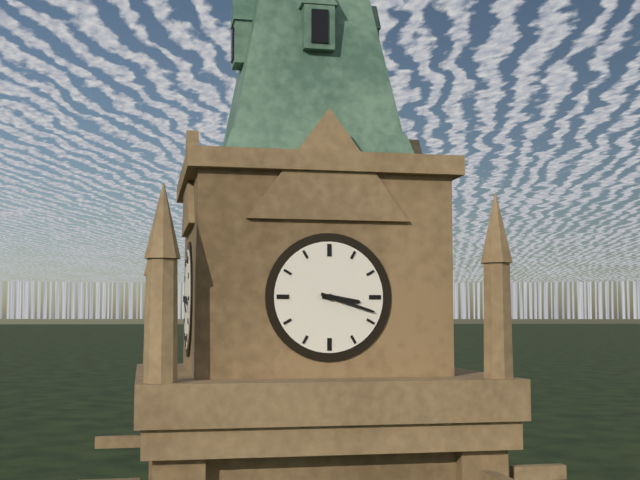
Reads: 3 h 18 min
